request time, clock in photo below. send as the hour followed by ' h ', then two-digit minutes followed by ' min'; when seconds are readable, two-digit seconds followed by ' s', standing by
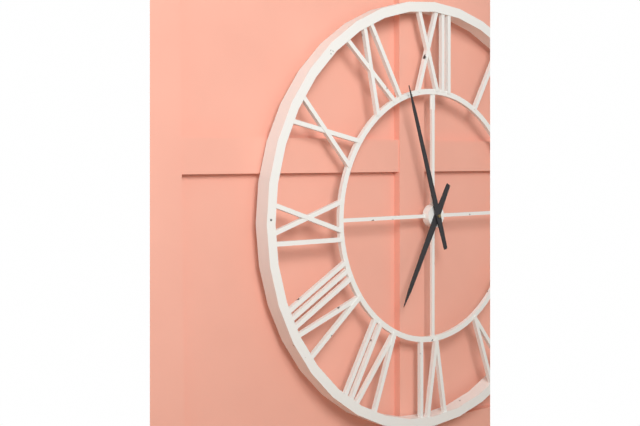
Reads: 6 h 57 min
